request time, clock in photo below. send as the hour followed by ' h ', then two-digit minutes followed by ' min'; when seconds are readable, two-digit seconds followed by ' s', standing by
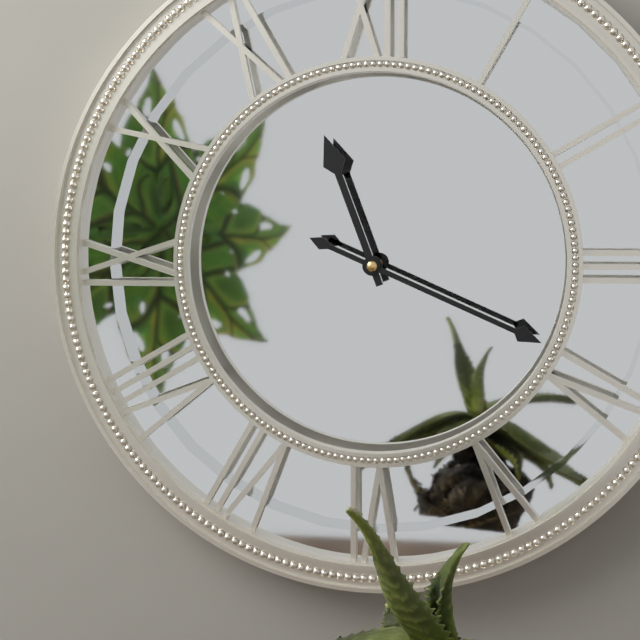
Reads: 11 h 19 min
